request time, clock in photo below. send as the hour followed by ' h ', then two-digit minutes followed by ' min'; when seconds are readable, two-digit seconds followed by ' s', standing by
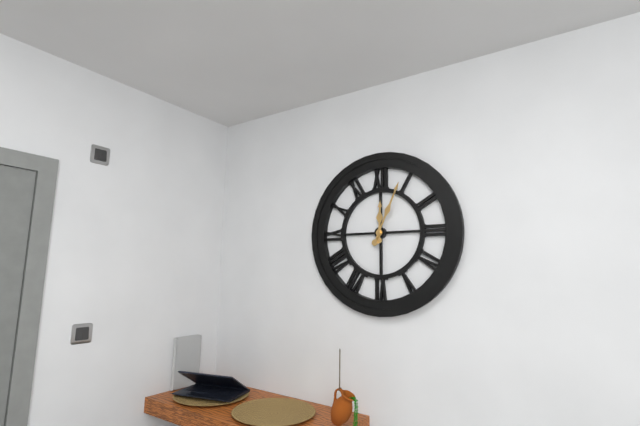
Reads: 12 h 04 min
